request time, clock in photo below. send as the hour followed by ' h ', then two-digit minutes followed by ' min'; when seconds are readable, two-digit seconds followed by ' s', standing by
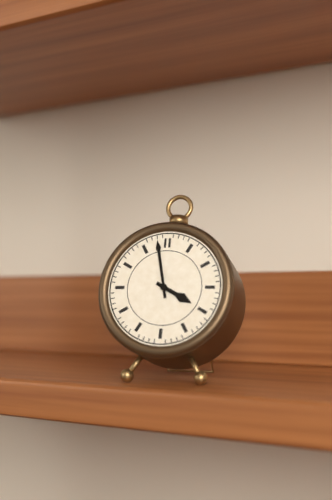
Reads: 3 h 58 min
